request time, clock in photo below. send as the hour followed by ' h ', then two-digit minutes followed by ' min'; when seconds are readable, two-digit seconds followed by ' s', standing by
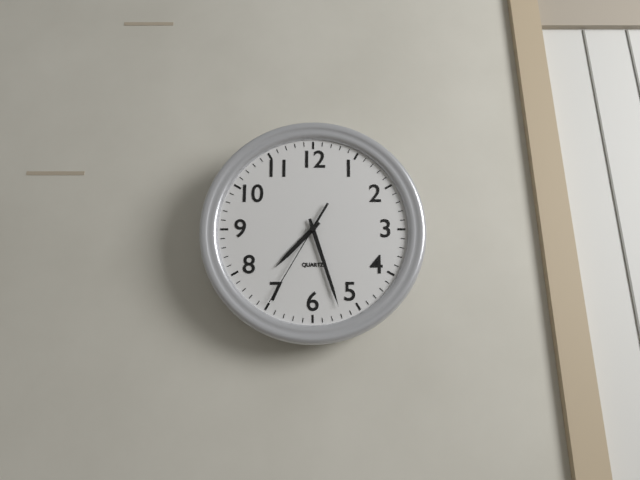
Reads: 7 h 27 min 35 s
